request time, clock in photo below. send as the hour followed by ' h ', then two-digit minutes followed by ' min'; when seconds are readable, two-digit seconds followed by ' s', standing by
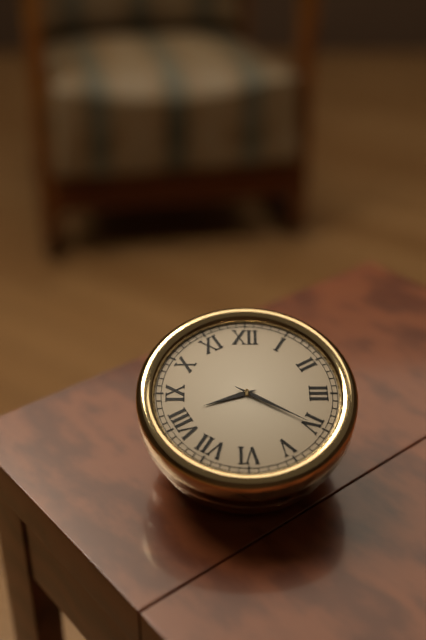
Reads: 8 h 20 min
